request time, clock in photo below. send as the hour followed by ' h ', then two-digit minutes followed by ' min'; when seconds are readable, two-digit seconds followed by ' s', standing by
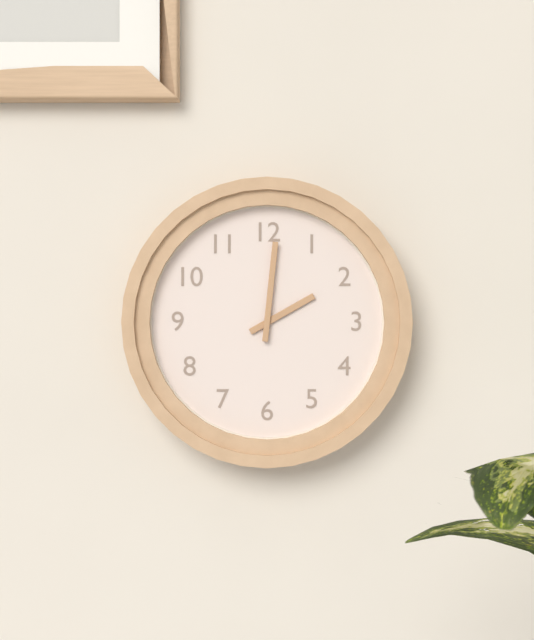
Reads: 2 h 01 min
